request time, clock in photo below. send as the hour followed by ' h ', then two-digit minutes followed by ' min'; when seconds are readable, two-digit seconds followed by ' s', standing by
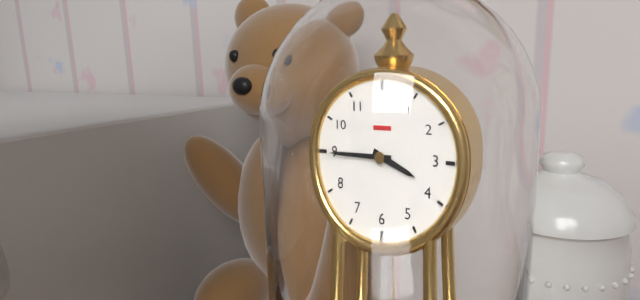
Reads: 3 h 45 min
